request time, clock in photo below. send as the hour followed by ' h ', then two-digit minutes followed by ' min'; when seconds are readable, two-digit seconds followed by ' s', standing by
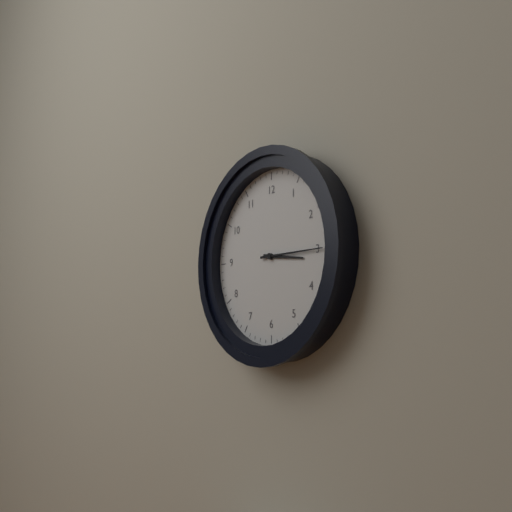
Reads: 3 h 15 min
